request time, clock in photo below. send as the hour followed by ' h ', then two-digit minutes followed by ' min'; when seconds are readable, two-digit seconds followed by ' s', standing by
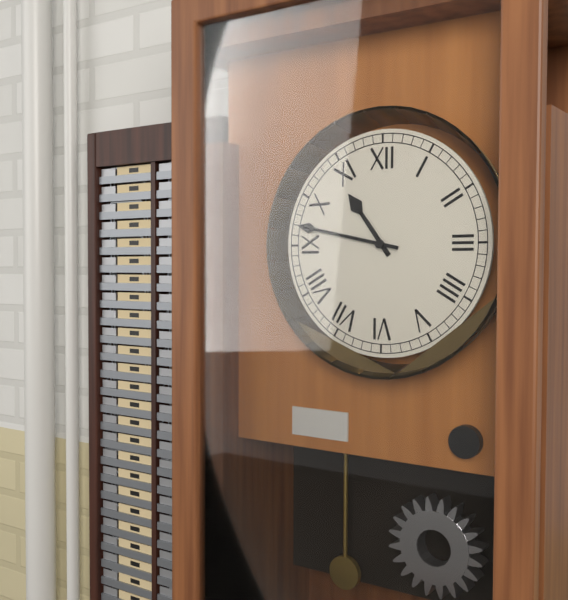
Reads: 10 h 47 min
